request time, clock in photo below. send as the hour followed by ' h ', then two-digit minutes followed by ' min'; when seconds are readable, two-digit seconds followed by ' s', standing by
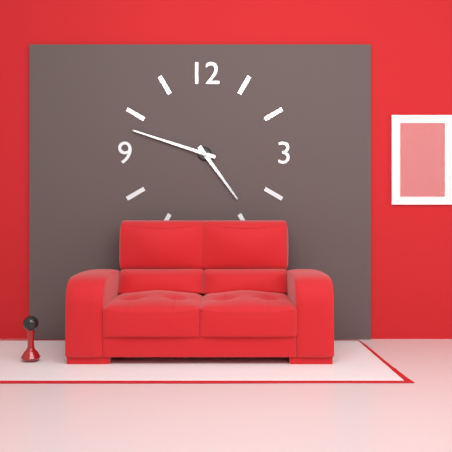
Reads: 4 h 48 min
